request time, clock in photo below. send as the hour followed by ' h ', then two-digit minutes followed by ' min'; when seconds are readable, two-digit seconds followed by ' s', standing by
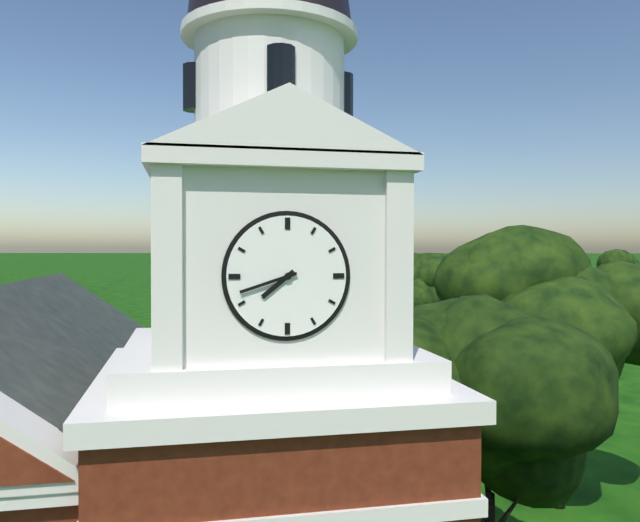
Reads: 7 h 42 min
